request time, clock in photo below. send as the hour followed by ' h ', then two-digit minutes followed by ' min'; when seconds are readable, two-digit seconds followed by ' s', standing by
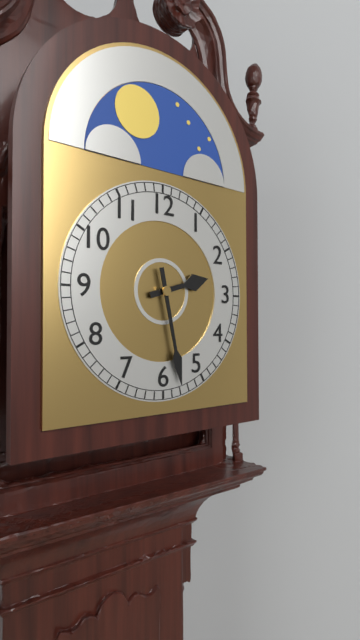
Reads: 2 h 28 min
